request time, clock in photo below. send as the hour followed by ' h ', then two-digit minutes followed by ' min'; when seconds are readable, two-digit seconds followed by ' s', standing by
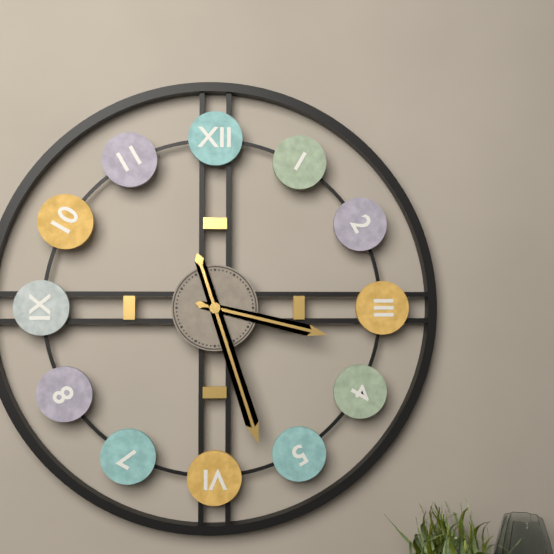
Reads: 3 h 27 min
